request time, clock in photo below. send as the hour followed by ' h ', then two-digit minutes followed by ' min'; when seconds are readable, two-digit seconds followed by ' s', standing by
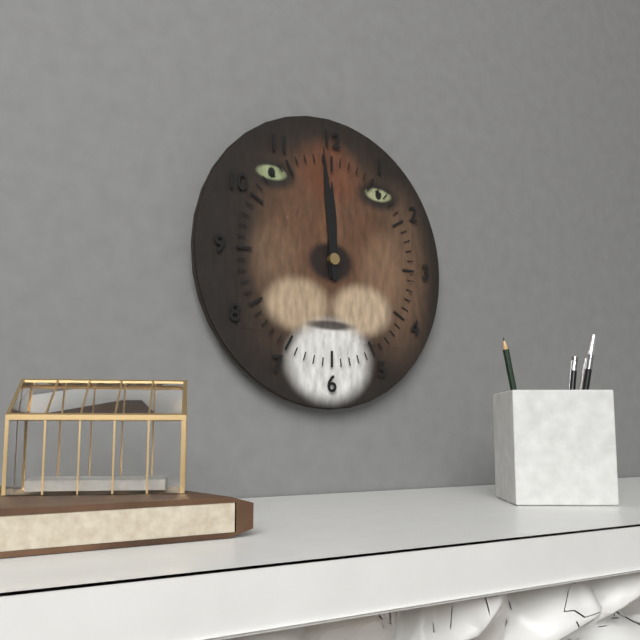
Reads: 11 h 59 min
